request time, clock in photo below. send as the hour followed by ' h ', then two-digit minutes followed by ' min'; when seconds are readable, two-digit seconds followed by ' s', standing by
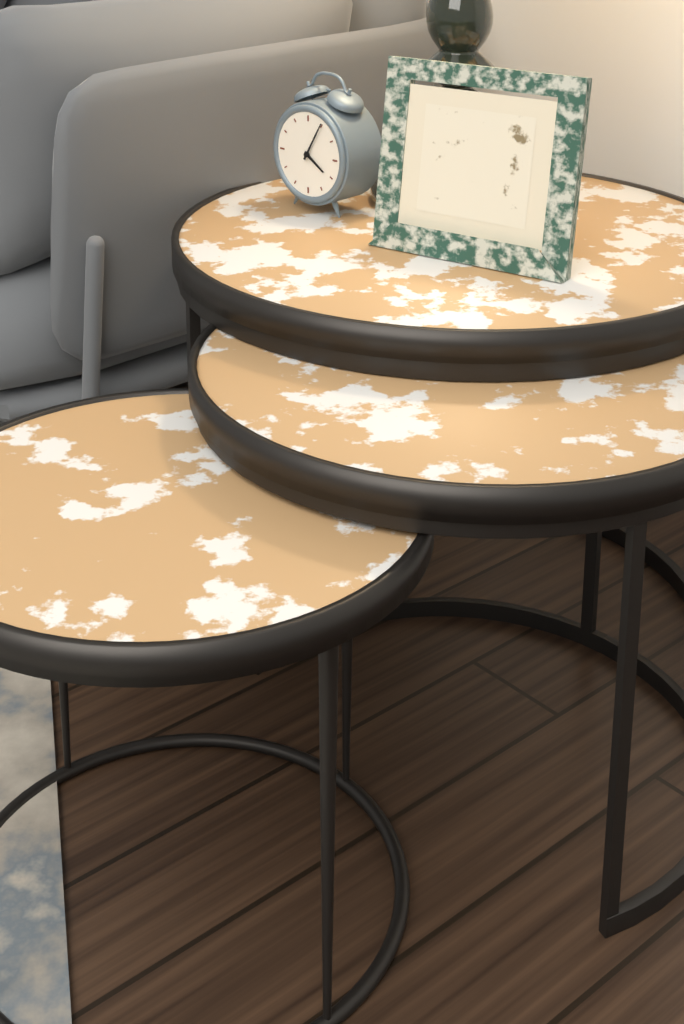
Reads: 4 h 05 min
